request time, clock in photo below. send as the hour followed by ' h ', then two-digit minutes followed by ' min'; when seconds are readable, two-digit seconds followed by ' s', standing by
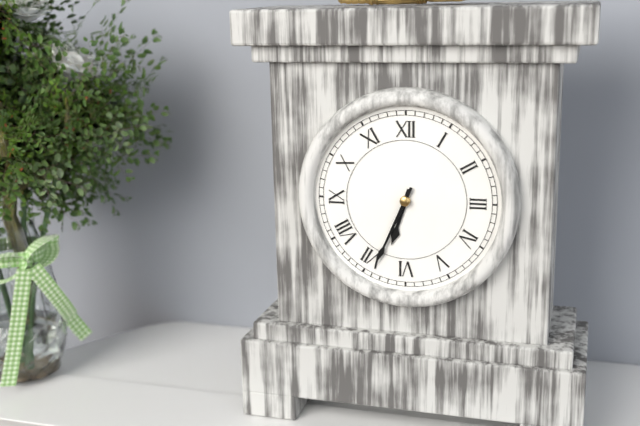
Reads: 6 h 34 min
